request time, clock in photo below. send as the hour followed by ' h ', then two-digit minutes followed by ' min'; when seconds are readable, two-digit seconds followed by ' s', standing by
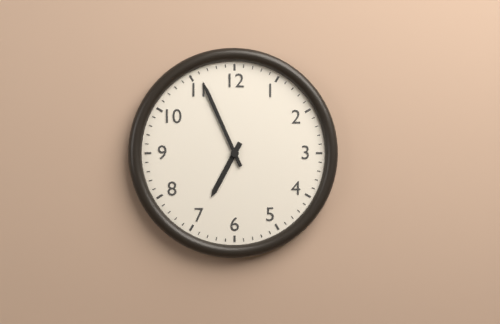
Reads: 6 h 56 min
